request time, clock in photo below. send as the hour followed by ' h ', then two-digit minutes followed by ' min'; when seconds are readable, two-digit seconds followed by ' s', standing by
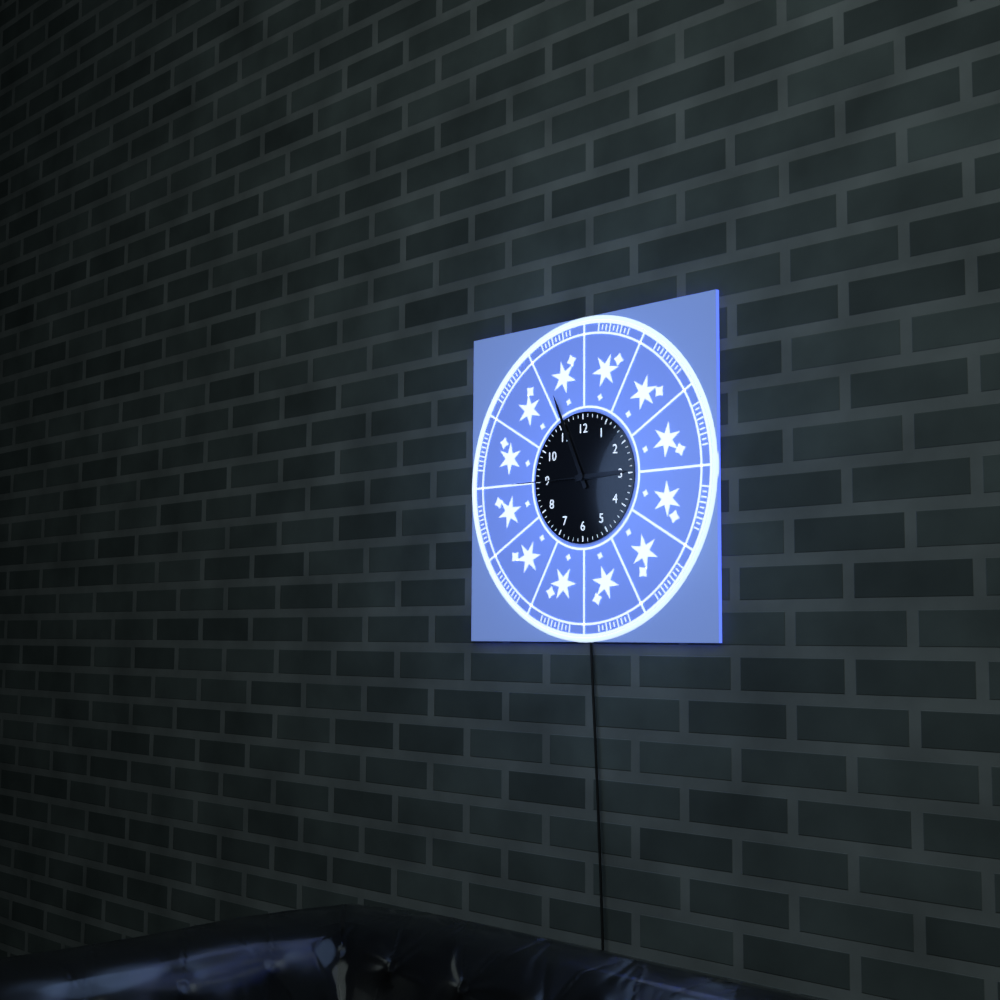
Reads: 2 h 56 min 45 s
